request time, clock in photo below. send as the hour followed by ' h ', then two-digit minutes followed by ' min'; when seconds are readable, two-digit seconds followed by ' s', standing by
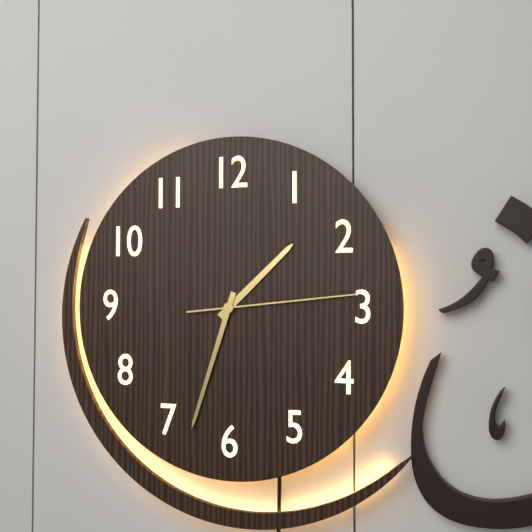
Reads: 1 h 33 min 14 s
